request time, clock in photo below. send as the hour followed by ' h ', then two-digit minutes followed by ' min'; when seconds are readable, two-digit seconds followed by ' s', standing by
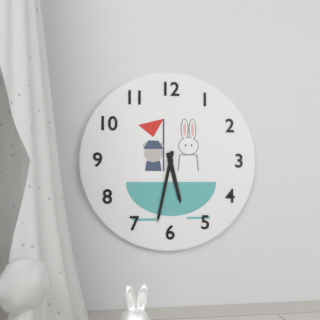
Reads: 5 h 32 min
